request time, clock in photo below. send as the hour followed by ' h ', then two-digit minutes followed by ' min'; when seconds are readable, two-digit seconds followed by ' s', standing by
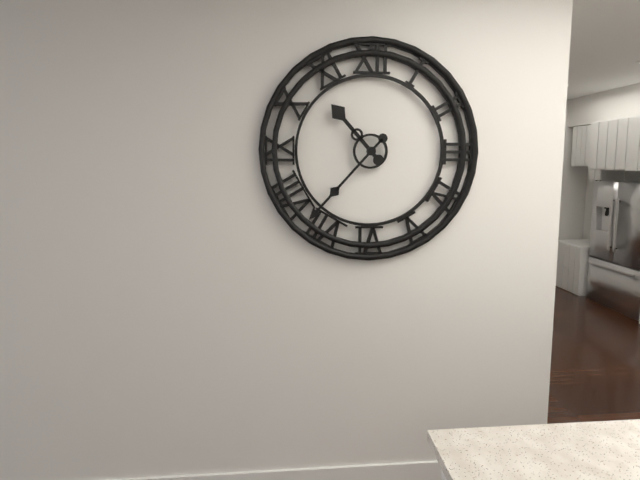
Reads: 10 h 37 min
